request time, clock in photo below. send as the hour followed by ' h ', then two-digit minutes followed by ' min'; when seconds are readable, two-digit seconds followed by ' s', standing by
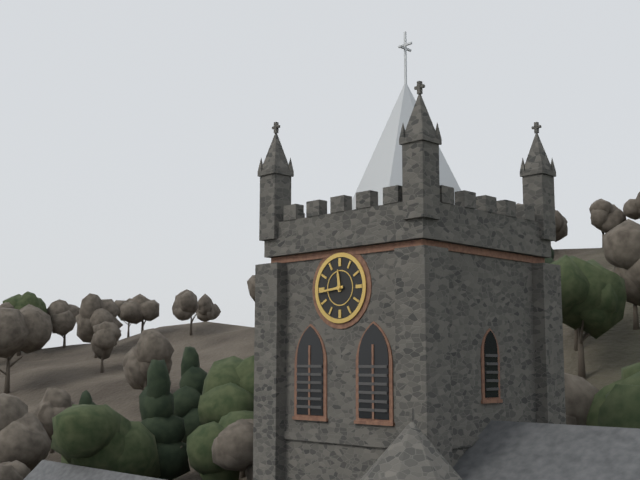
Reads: 11 h 44 min
